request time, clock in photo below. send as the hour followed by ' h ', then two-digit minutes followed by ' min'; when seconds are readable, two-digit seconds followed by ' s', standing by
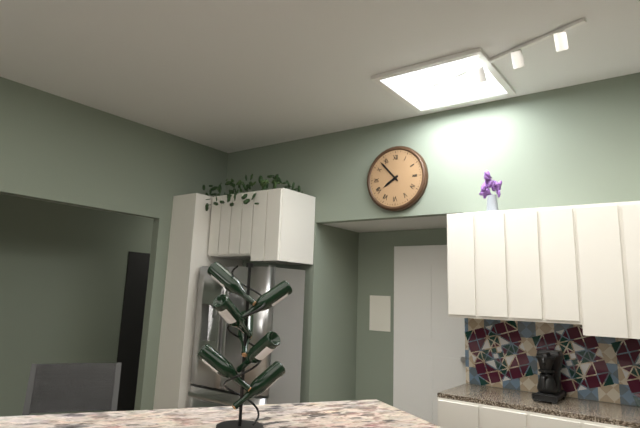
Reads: 7 h 53 min
